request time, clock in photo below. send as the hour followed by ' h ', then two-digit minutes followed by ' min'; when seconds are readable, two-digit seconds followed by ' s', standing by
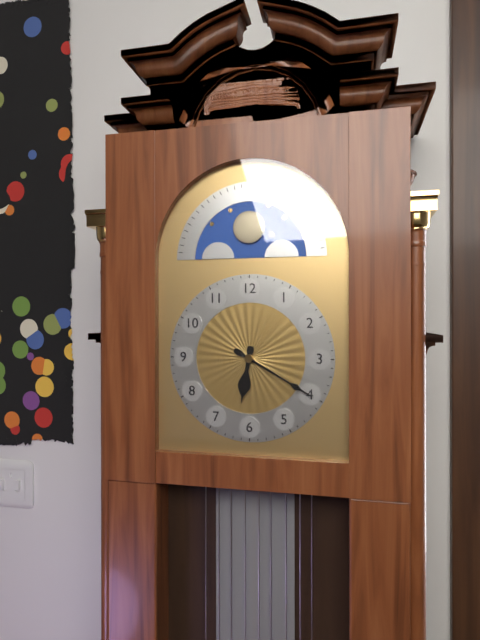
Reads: 6 h 20 min
